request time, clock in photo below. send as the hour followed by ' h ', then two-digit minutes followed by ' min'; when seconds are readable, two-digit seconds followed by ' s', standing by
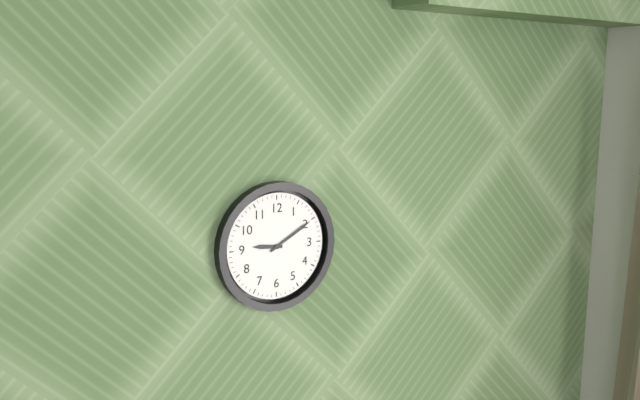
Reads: 9 h 10 min
